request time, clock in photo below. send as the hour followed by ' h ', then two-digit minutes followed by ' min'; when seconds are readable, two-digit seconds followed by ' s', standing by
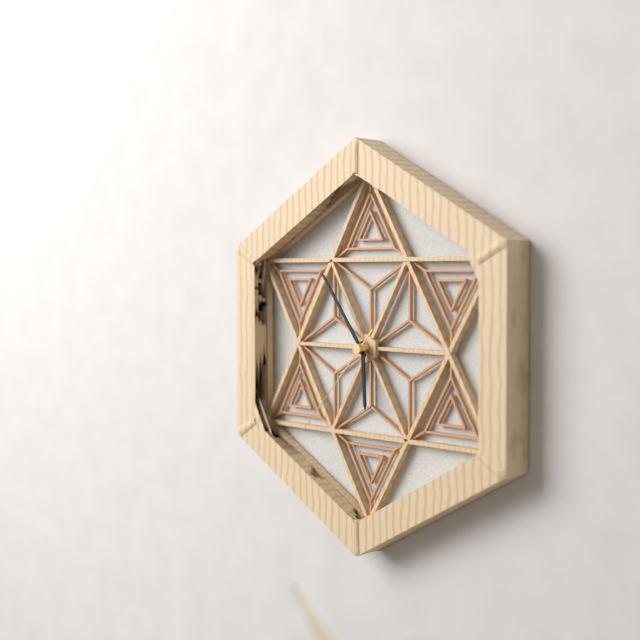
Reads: 5 h 54 min 37 s
